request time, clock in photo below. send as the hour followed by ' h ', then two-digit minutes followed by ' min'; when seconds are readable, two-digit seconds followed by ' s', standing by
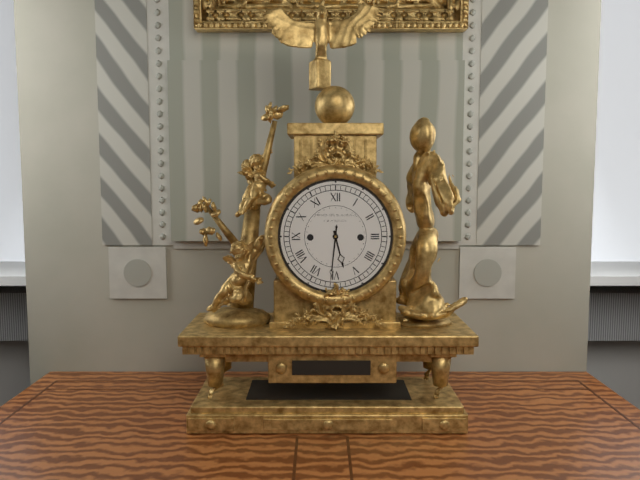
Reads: 5 h 31 min
